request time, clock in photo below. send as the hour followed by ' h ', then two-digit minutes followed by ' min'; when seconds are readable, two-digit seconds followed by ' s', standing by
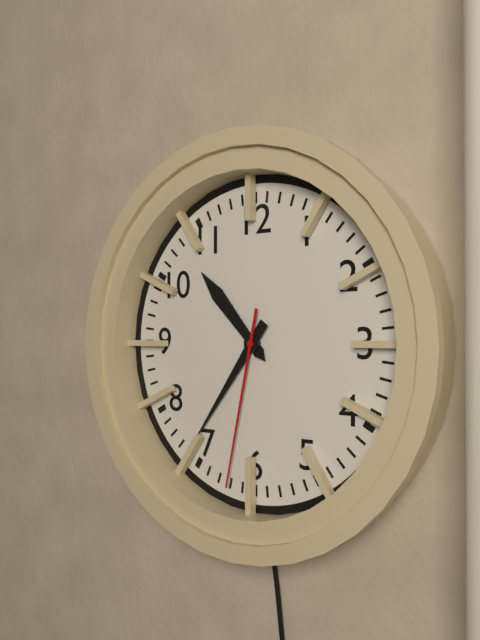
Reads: 10 h 36 min 32 s
